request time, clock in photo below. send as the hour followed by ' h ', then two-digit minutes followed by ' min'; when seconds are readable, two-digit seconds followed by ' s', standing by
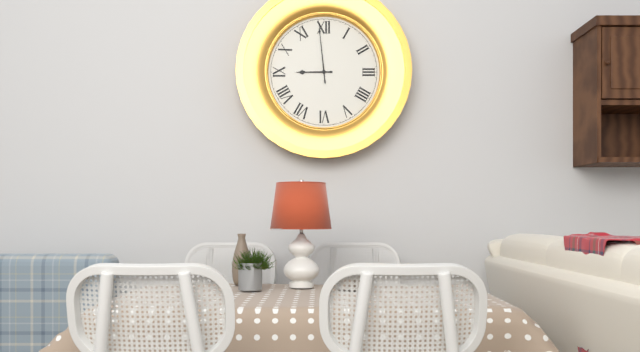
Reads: 8 h 59 min
